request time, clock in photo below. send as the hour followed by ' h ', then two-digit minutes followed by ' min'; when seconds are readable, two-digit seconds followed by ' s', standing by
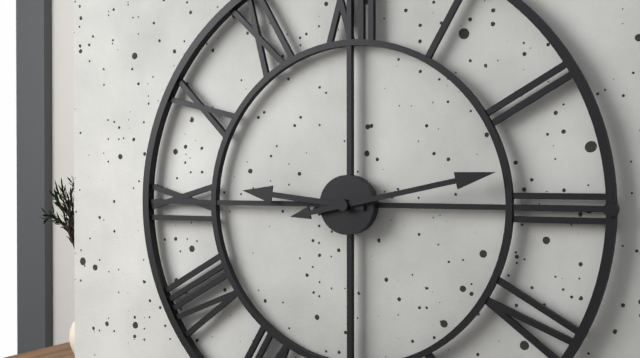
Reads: 9 h 13 min
